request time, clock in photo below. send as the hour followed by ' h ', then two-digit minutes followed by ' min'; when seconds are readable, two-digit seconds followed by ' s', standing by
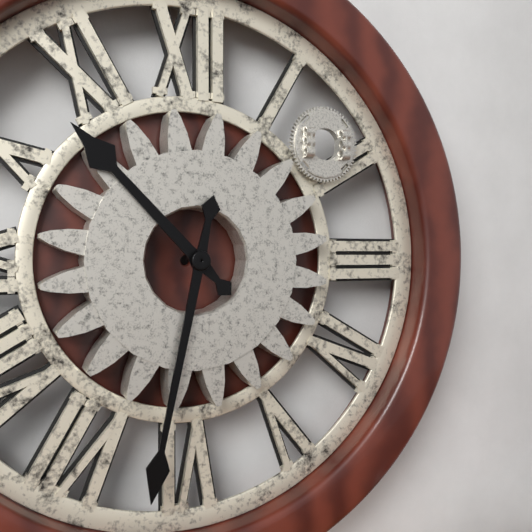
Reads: 10 h 32 min
